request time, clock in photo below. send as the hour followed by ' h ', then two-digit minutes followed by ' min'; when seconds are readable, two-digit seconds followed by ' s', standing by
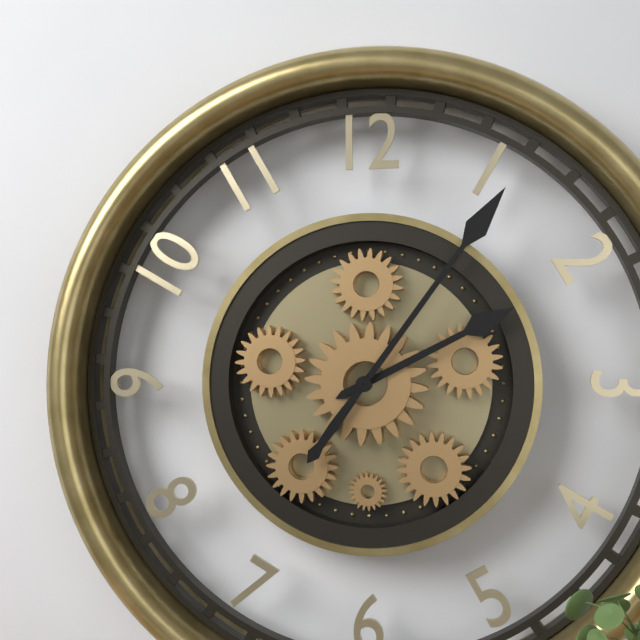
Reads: 2 h 06 min
